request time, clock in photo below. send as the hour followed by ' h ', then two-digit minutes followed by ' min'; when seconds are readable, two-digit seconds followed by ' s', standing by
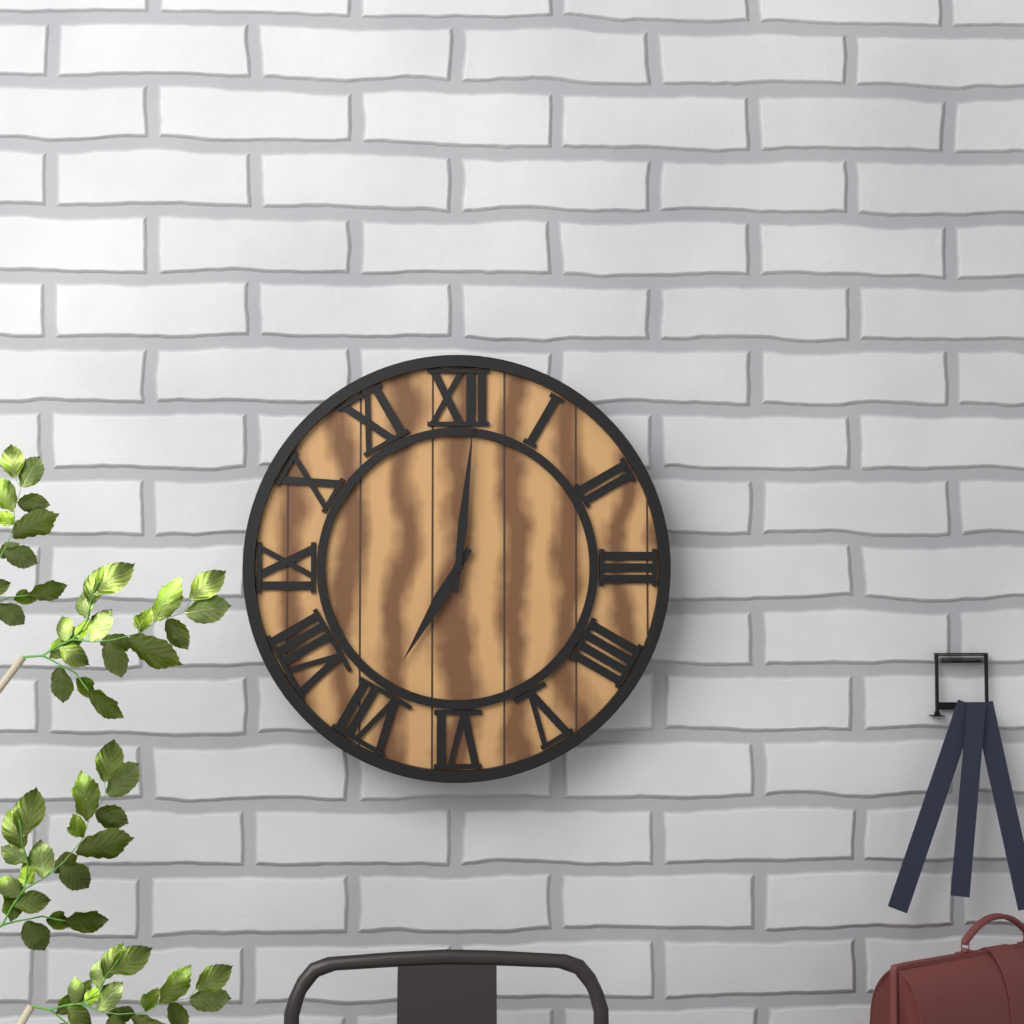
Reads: 7 h 01 min
